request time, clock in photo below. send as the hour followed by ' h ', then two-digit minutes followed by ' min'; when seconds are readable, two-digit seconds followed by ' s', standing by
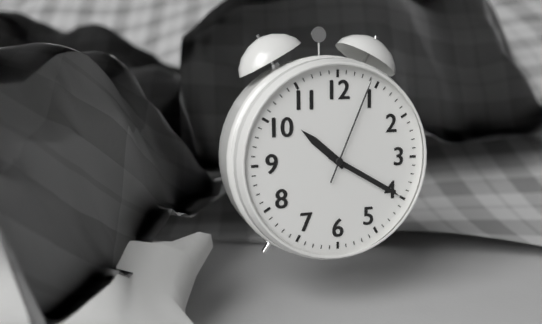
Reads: 10 h 20 min 04 s
